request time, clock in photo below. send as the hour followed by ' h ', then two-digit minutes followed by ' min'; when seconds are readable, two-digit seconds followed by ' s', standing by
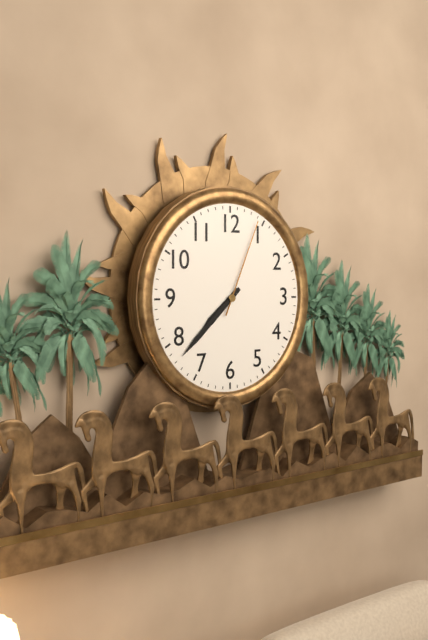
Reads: 7 h 38 min 04 s
